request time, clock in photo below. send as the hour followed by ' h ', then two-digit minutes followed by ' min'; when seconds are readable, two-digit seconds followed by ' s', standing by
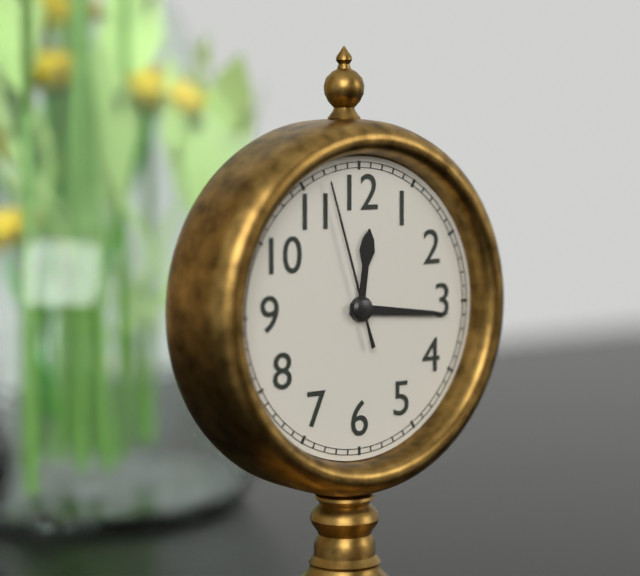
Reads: 12 h 16 min 57 s
